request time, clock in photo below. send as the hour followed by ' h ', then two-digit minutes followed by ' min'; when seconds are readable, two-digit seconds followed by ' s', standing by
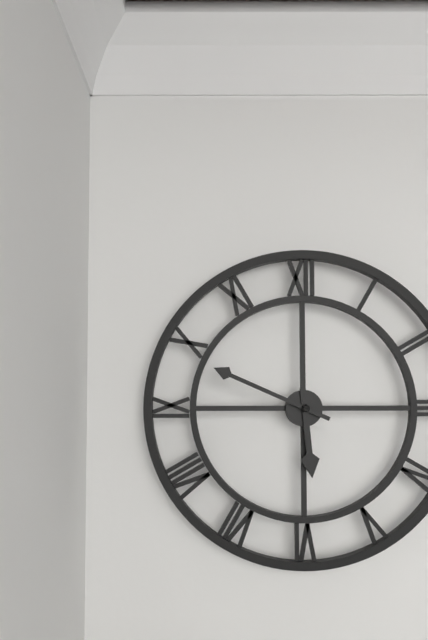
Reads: 5 h 49 min
